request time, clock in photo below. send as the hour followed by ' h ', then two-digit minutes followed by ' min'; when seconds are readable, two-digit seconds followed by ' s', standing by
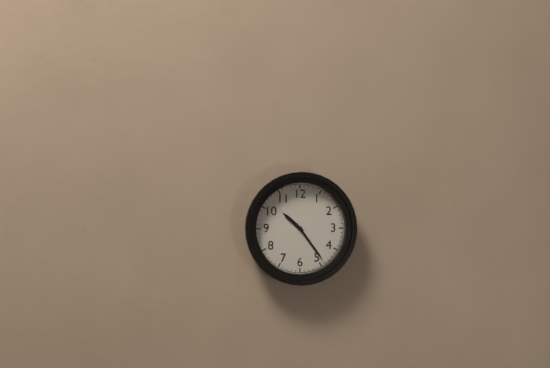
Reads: 10 h 24 min
